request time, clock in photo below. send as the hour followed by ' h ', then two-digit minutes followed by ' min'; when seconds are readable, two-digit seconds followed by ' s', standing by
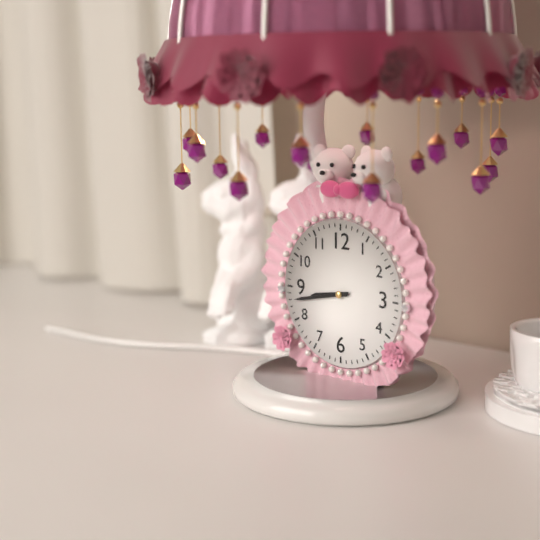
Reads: 8 h 43 min
